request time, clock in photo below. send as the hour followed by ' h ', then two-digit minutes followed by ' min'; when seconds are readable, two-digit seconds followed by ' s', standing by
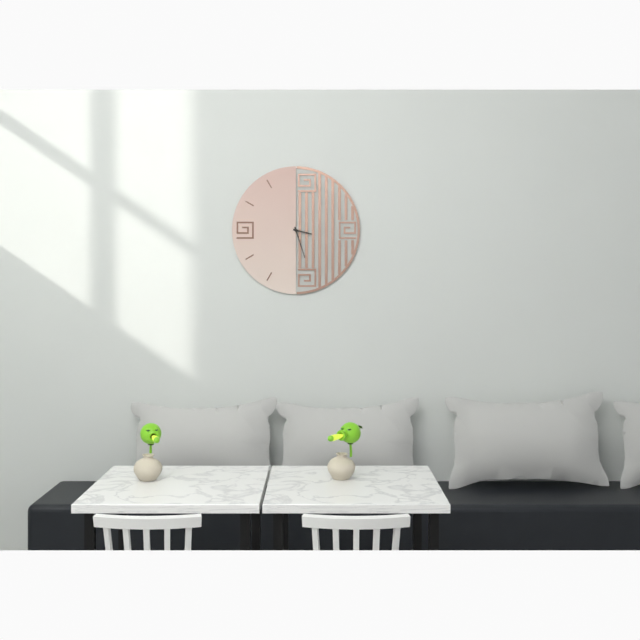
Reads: 3 h 27 min
